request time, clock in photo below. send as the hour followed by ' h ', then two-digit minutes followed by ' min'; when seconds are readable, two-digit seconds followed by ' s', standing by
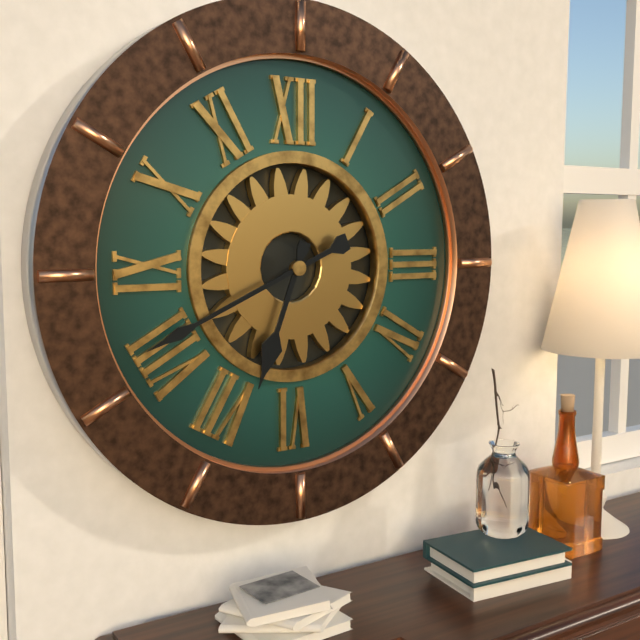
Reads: 6 h 41 min
